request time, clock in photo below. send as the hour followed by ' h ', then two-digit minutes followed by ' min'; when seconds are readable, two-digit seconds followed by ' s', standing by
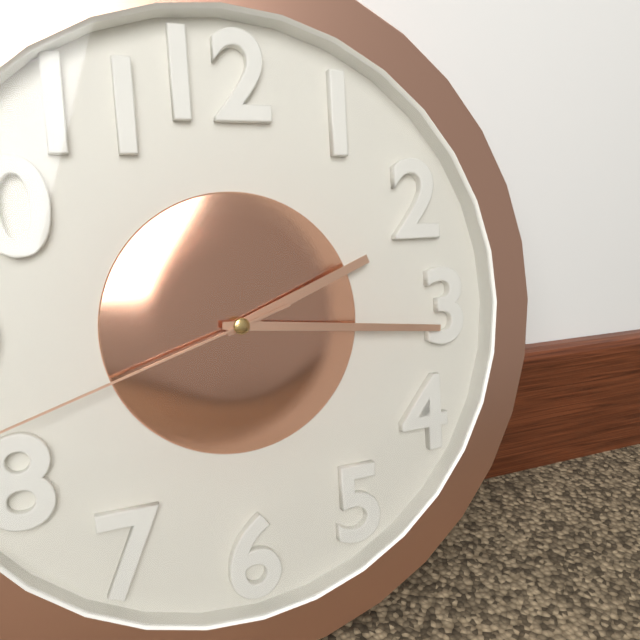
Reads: 2 h 16 min
